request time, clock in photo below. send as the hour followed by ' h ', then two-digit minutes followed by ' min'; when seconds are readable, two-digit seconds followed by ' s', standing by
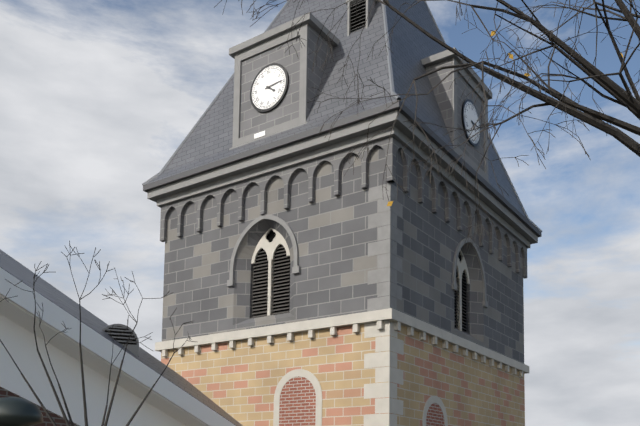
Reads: 4 h 14 min
